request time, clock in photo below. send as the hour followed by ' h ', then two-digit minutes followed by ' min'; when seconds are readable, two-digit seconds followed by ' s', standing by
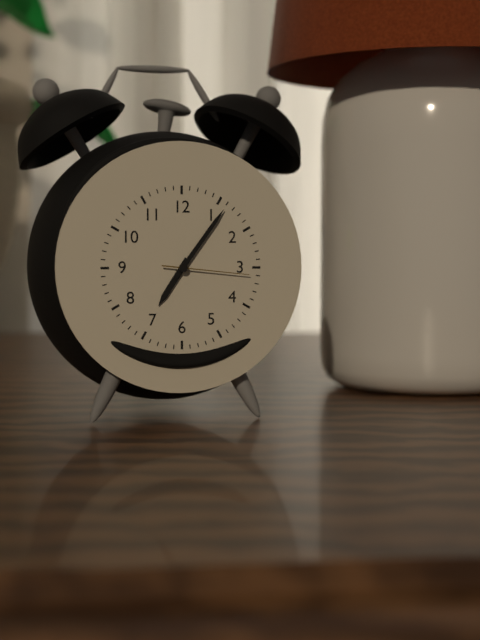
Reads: 7 h 06 min 16 s
